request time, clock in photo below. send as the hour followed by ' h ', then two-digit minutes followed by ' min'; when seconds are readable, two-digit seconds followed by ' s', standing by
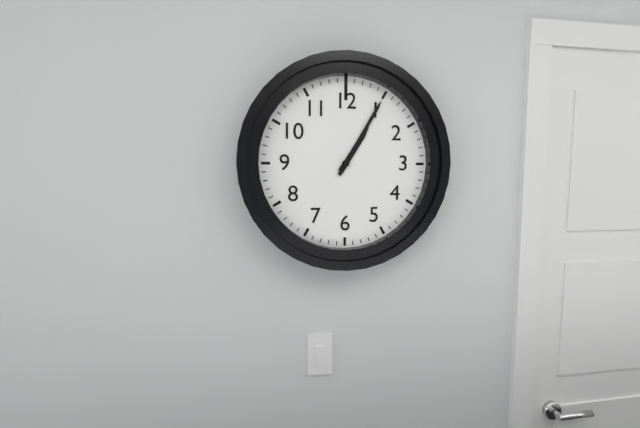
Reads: 1 h 05 min
